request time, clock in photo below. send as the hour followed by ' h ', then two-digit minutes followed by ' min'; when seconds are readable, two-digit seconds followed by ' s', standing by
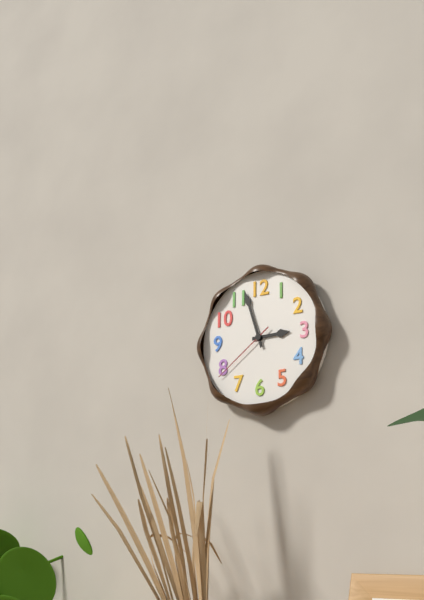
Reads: 2 h 57 min 39 s
